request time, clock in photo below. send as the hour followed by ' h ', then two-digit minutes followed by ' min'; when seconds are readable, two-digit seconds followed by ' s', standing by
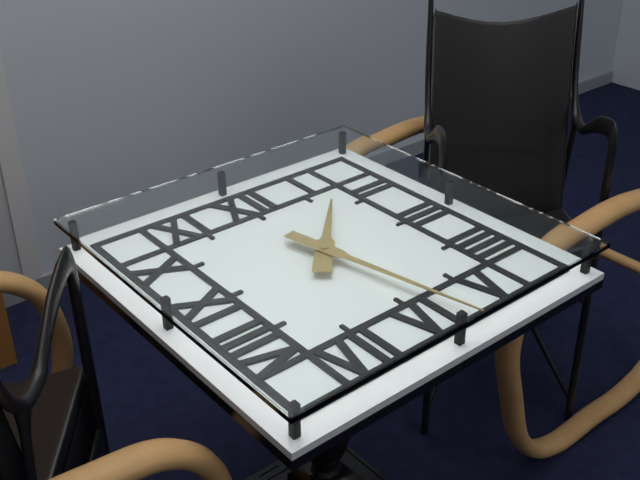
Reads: 1 h 28 min
